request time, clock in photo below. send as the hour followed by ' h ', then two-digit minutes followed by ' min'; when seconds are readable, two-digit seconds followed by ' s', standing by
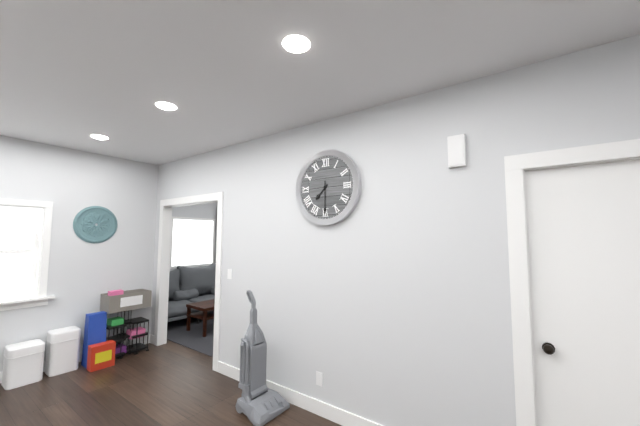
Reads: 7 h 30 min
